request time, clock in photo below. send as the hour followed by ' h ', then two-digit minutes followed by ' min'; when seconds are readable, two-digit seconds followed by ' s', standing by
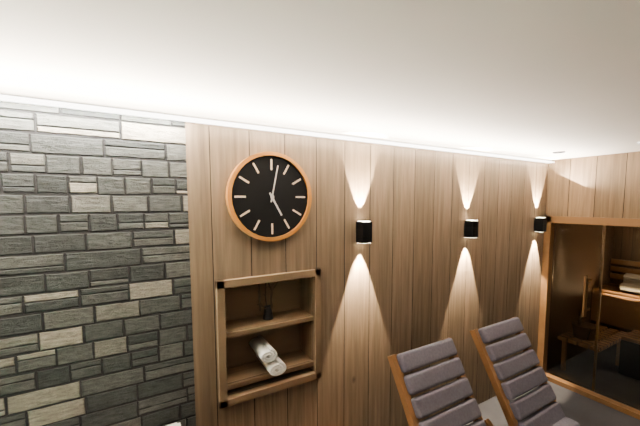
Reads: 5 h 02 min
